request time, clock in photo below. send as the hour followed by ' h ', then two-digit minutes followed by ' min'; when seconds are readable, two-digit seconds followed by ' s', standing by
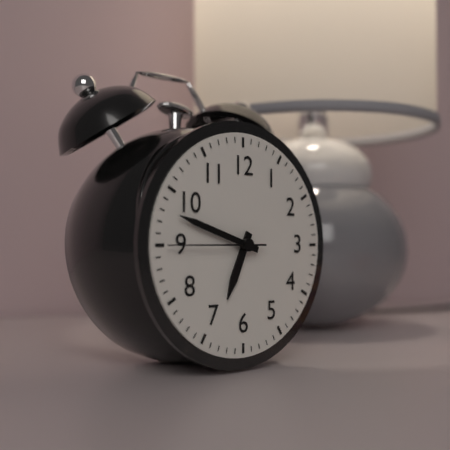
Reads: 6 h 48 min 45 s
